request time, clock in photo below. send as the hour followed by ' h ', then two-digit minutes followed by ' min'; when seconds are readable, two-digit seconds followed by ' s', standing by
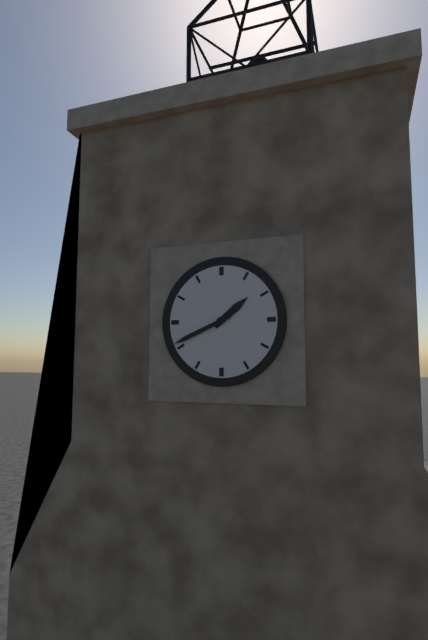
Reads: 1 h 41 min
